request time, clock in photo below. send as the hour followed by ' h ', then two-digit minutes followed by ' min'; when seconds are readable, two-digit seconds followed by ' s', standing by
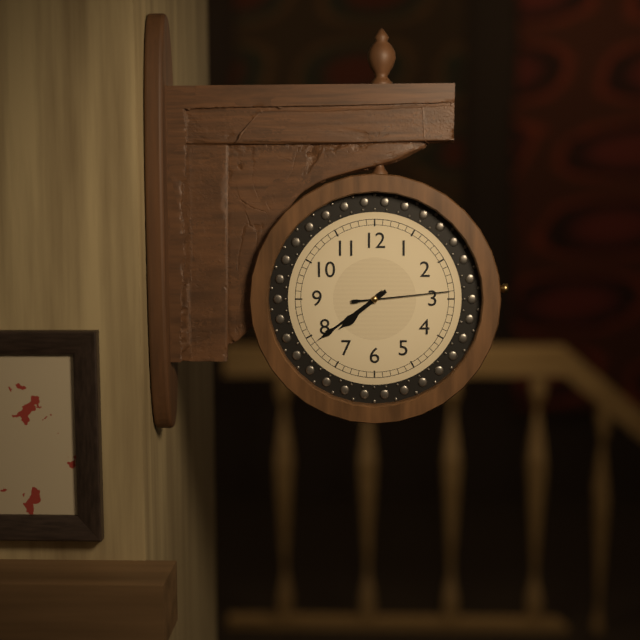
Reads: 7 h 39 min 14 s
